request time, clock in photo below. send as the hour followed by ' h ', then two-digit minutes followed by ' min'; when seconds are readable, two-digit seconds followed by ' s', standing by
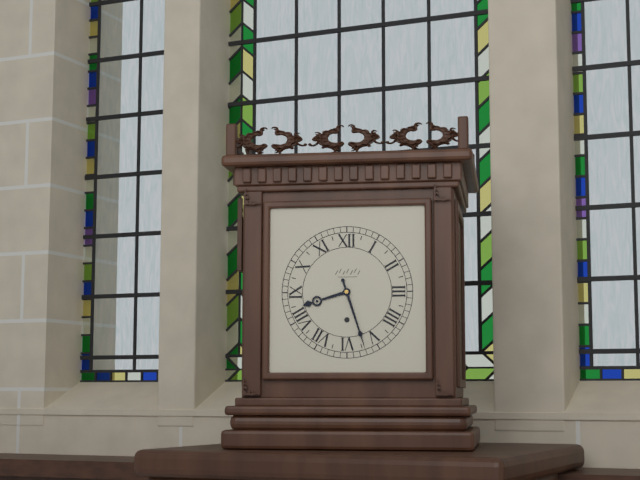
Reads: 8 h 27 min
